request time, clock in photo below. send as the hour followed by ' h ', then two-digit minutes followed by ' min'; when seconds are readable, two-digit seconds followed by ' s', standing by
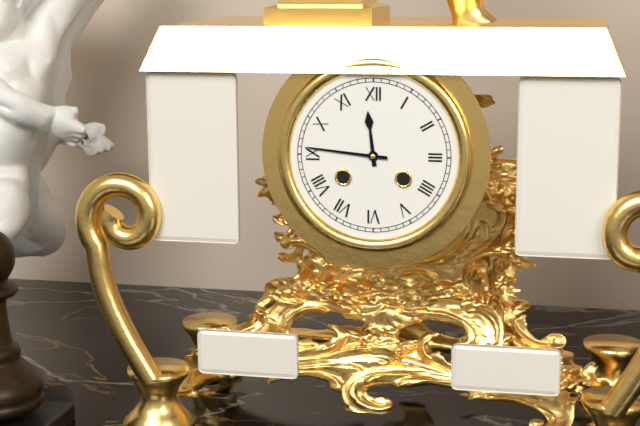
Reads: 11 h 46 min
